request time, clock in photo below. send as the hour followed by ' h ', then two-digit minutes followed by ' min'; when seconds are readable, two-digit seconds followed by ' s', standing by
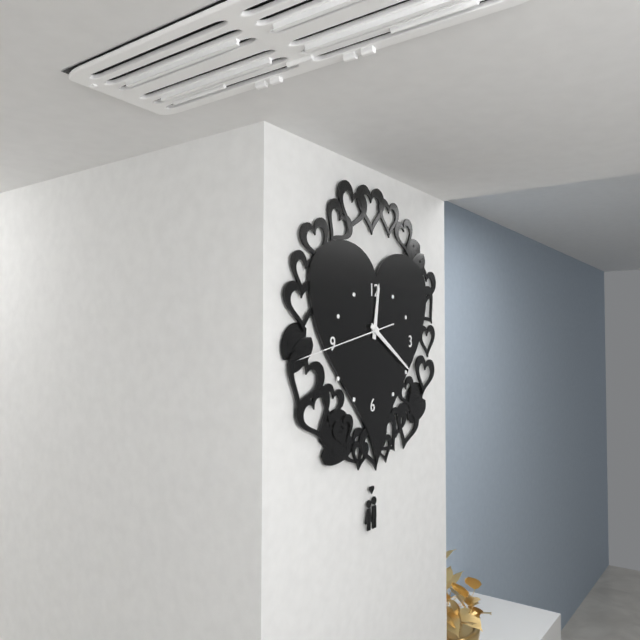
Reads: 12 h 20 min 43 s
